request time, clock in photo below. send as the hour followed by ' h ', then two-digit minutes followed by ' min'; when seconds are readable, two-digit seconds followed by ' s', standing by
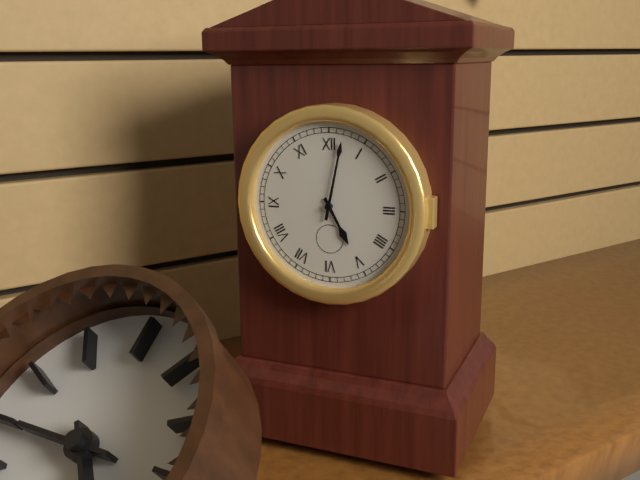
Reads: 5 h 02 min
